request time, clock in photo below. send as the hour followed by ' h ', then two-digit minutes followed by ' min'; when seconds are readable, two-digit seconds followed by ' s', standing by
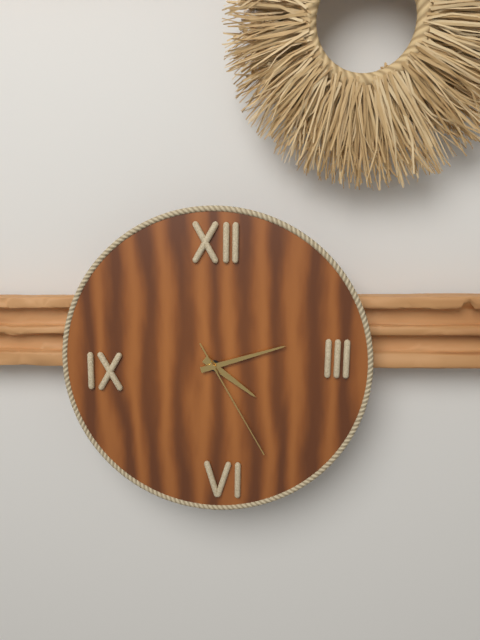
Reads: 4 h 12 min 25 s
